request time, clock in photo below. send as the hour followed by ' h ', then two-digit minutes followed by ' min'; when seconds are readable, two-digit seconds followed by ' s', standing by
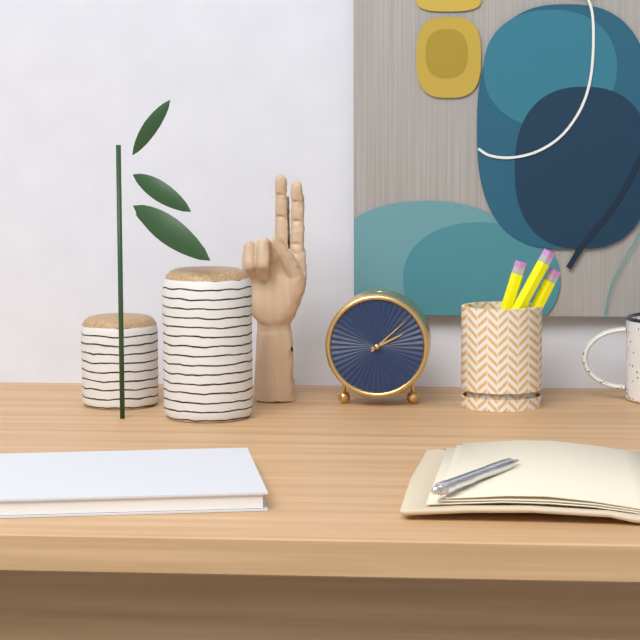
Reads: 2 h 08 min
